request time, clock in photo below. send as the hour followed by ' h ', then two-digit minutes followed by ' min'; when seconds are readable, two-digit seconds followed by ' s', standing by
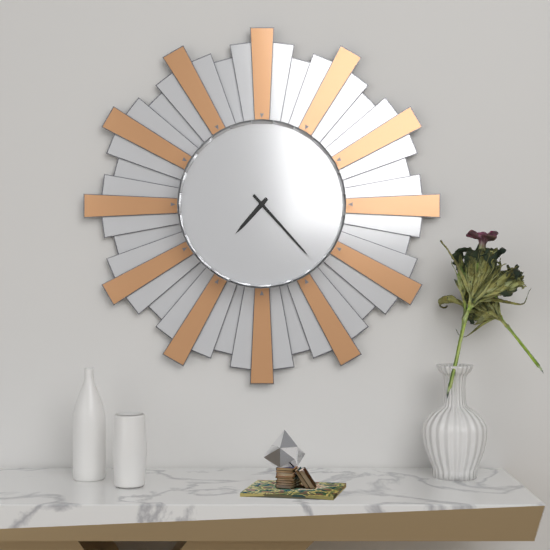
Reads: 7 h 23 min
